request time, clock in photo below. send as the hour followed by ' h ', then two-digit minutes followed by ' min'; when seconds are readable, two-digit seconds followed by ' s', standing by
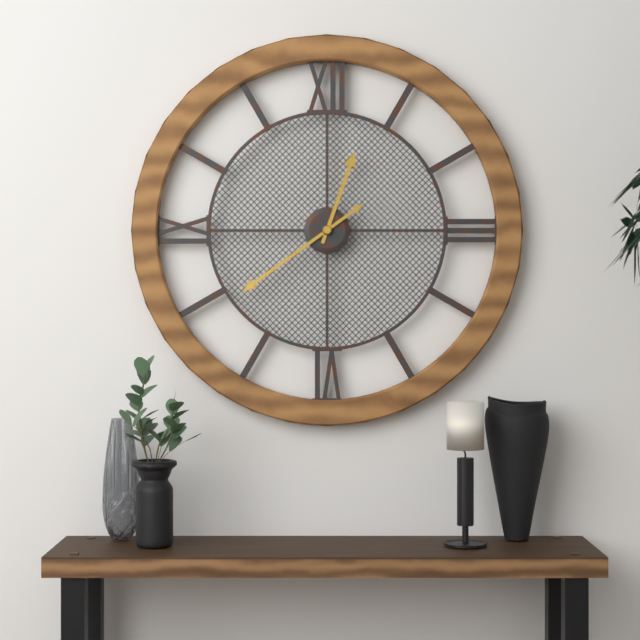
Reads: 12 h 39 min
